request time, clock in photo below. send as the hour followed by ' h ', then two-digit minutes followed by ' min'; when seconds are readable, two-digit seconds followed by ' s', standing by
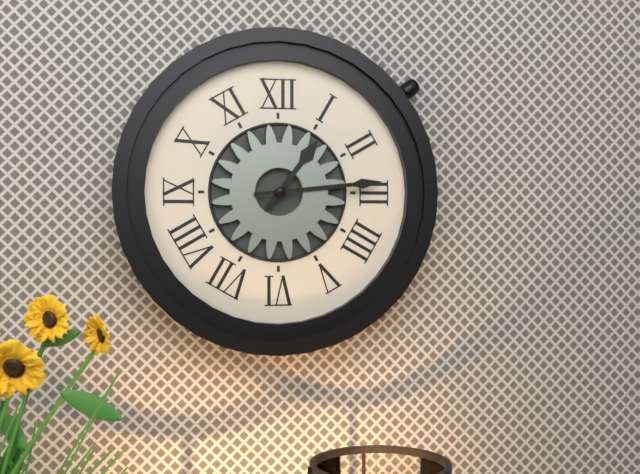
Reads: 1 h 14 min
